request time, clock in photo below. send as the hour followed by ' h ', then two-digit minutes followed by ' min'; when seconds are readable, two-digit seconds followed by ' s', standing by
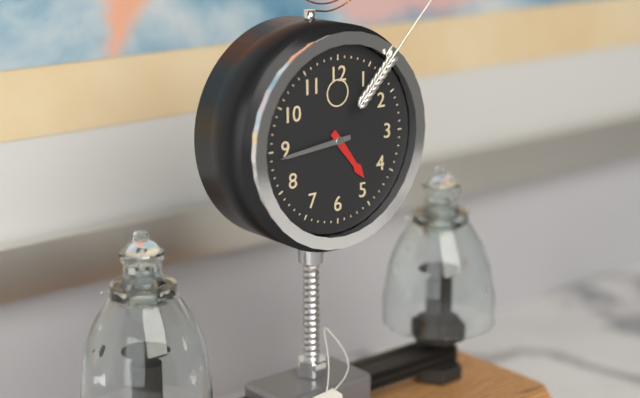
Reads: 4 h 44 min
